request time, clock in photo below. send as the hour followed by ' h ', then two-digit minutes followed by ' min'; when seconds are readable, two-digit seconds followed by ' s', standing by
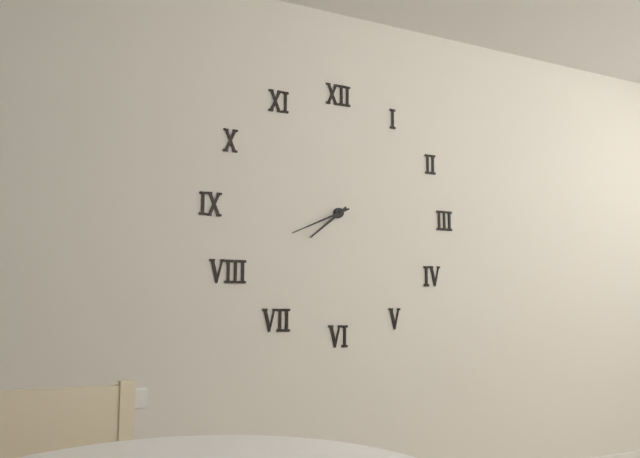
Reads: 7 h 41 min
